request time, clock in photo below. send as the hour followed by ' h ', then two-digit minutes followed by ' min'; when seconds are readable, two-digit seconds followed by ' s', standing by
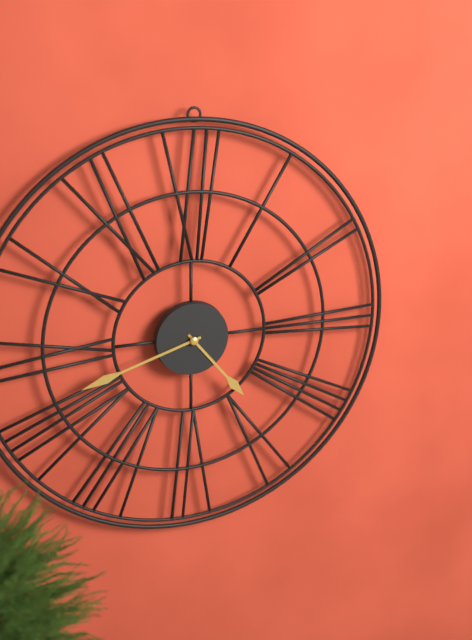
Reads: 4 h 42 min
